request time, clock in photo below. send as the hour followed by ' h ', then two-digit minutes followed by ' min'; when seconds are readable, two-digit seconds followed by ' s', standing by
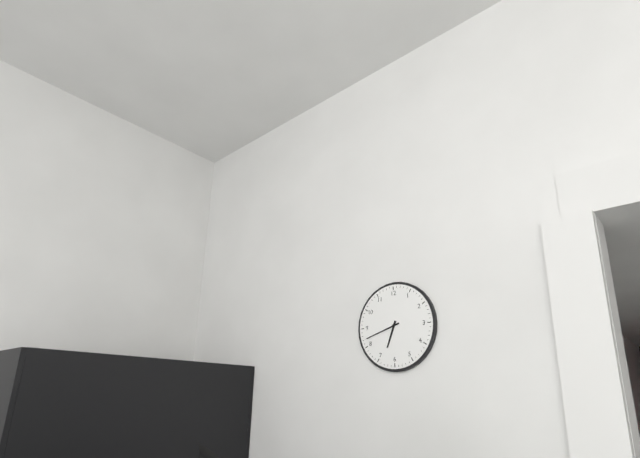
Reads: 6 h 42 min
